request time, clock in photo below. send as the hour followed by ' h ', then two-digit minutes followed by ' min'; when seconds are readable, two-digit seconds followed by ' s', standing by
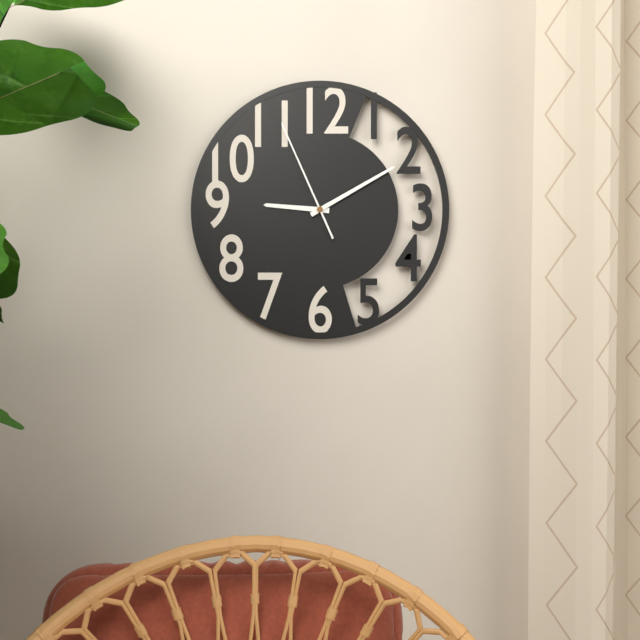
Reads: 9 h 10 min 56 s
